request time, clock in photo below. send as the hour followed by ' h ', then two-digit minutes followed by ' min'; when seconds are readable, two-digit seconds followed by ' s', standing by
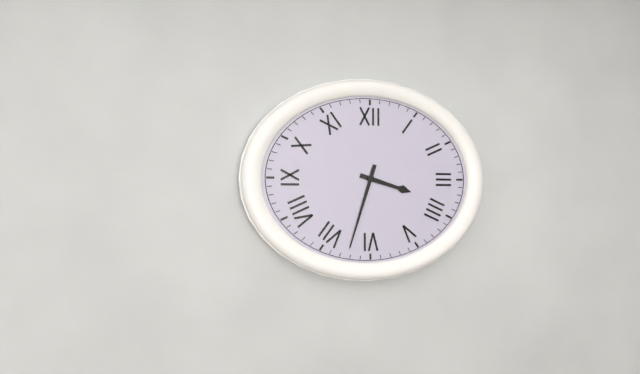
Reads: 3 h 33 min
